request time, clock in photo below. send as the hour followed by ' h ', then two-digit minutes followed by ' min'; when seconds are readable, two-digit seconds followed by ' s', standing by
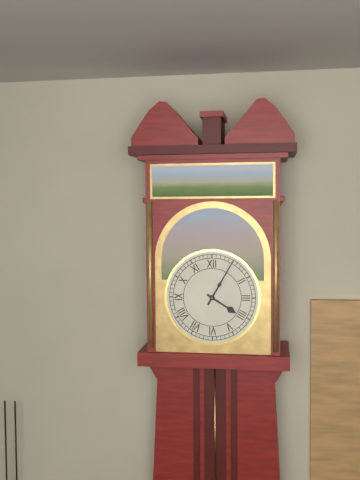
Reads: 4 h 05 min
